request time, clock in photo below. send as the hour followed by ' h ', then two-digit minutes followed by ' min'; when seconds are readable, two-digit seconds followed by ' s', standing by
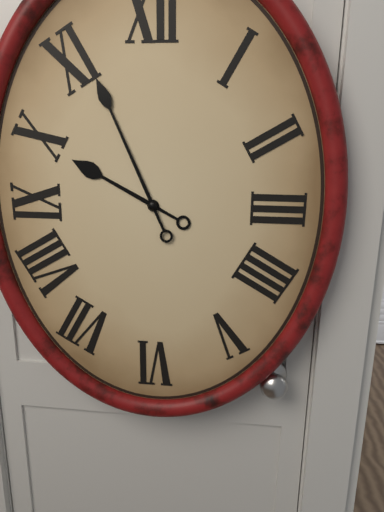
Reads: 9 h 56 min
